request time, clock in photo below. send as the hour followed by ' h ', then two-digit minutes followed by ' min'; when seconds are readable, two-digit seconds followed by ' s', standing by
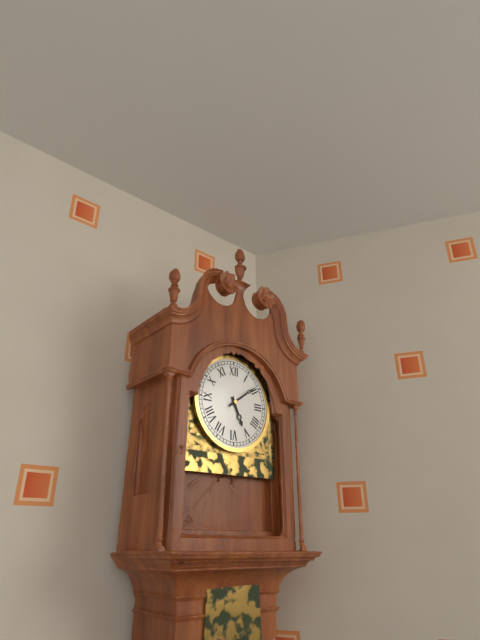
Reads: 5 h 09 min
